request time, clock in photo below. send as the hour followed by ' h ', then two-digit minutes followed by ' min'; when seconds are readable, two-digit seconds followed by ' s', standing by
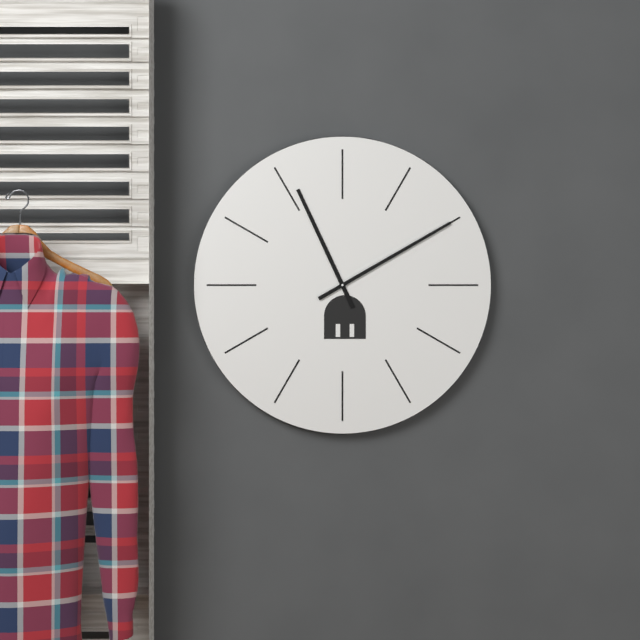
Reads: 11 h 10 min
